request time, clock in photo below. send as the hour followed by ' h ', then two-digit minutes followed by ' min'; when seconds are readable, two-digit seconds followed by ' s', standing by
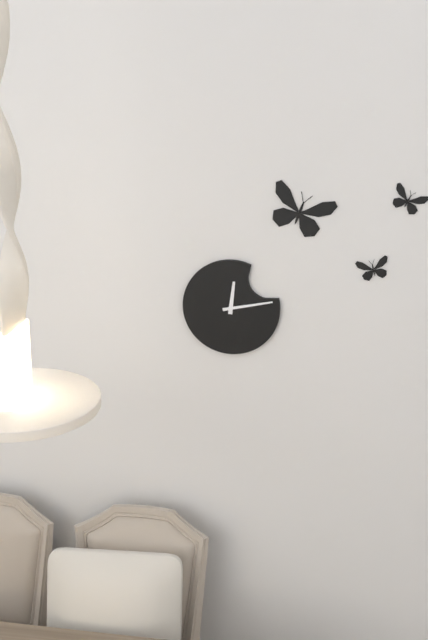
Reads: 12 h 13 min
